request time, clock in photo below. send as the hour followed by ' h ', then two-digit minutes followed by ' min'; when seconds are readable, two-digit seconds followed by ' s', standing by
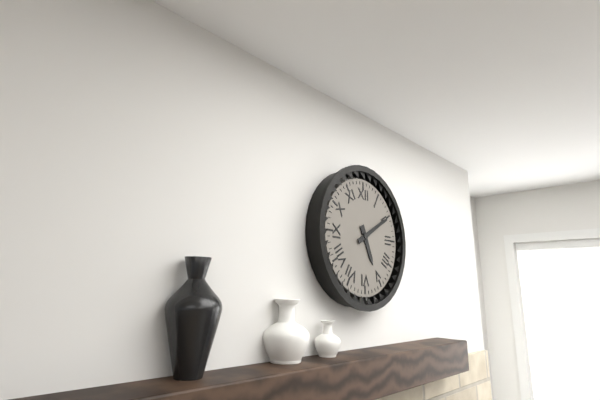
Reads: 5 h 10 min
